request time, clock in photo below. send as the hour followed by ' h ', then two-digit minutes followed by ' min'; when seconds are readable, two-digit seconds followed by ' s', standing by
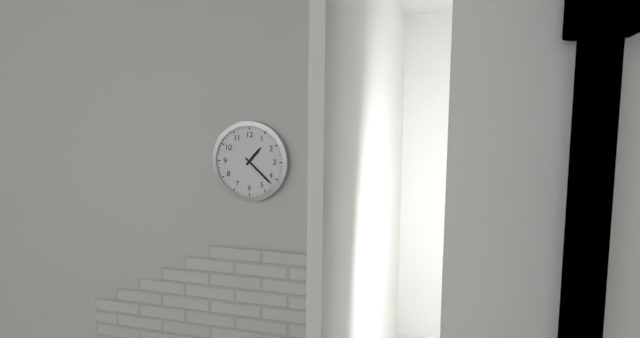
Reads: 1 h 22 min
